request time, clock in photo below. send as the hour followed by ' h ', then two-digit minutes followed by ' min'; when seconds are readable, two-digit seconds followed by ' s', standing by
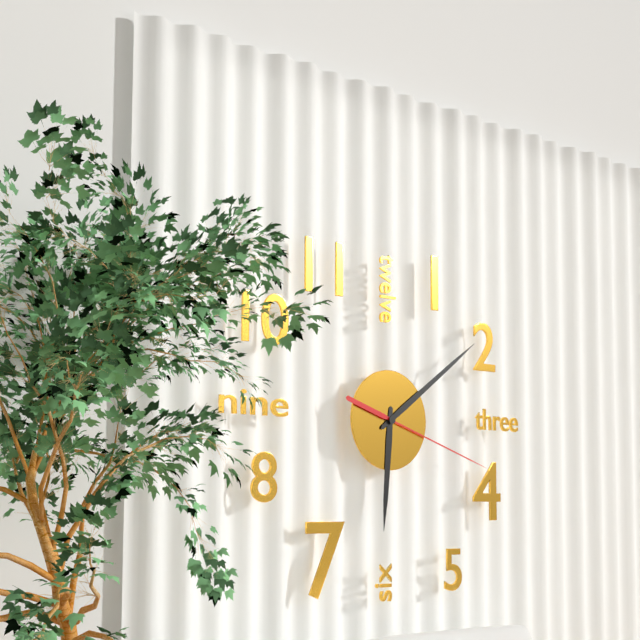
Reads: 6 h 09 min 18 s
